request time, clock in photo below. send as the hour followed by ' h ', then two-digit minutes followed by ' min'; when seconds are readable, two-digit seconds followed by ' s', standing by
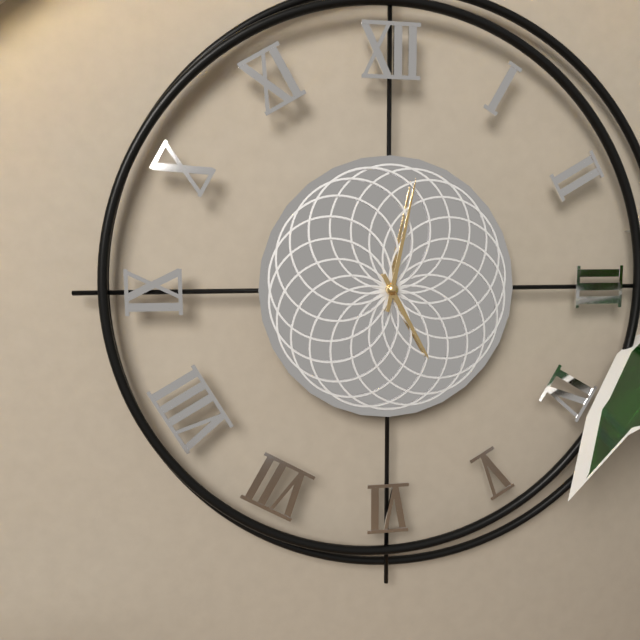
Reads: 5 h 02 min
